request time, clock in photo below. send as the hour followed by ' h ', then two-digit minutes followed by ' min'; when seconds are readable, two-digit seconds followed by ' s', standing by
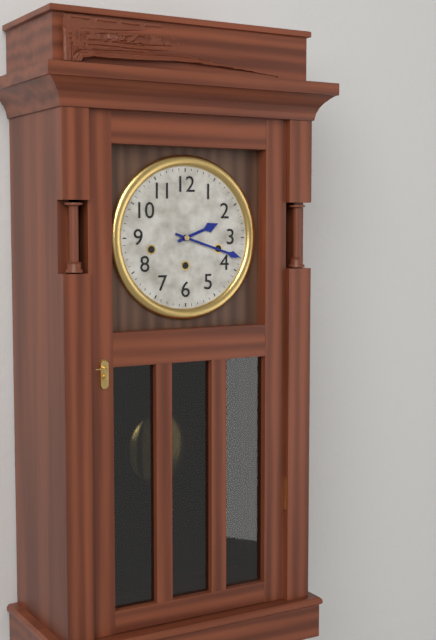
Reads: 2 h 18 min
